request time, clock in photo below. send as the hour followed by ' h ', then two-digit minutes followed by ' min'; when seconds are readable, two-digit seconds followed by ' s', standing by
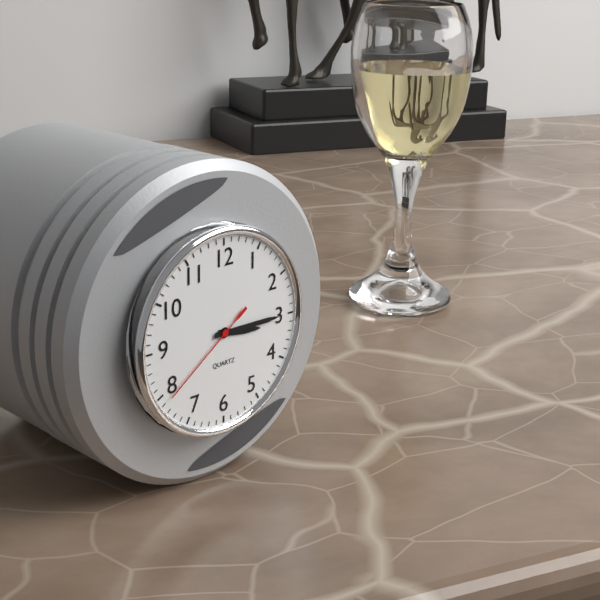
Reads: 3 h 15 min 39 s
